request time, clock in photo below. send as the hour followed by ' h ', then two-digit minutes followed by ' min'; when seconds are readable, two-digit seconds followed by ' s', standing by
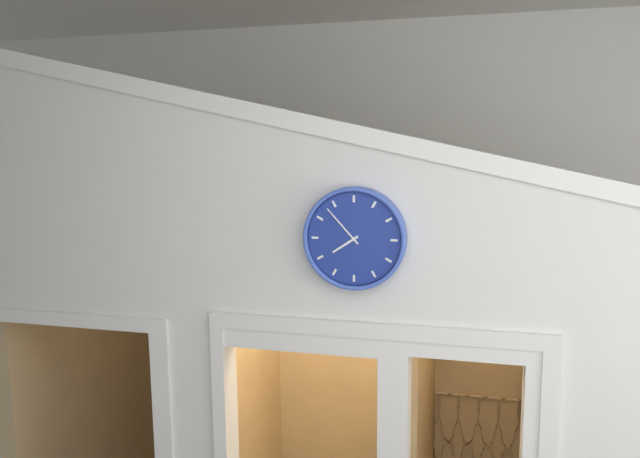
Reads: 7 h 53 min
